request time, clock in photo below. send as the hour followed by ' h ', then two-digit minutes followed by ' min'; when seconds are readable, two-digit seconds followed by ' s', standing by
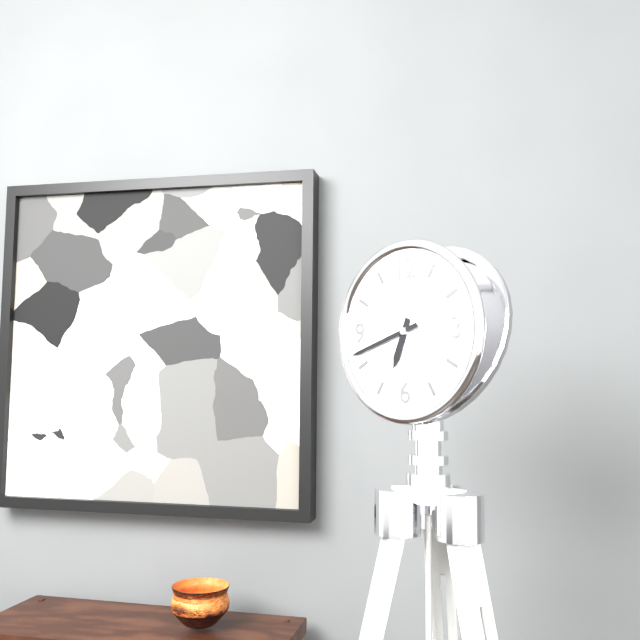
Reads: 6 h 42 min
